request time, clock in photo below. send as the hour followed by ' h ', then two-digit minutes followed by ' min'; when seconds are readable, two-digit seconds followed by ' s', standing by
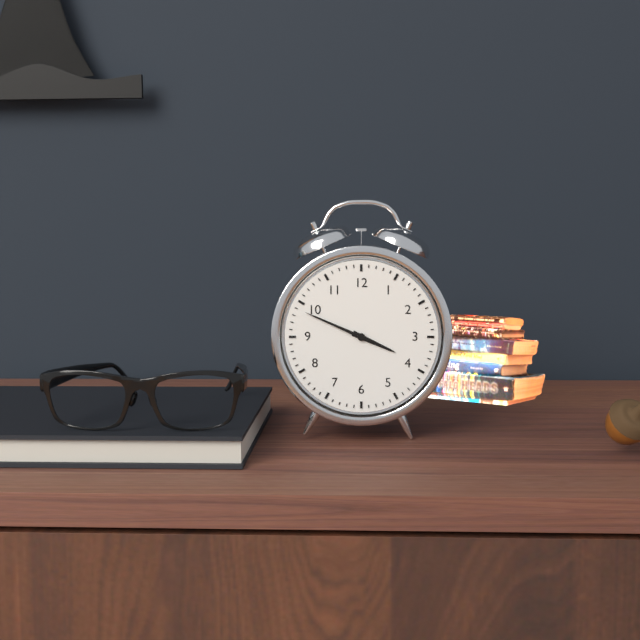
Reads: 3 h 49 min
